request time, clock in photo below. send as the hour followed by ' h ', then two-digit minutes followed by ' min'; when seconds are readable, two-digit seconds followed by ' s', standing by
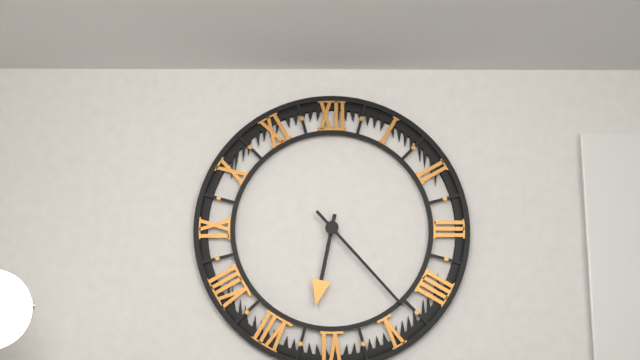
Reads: 6 h 23 min
